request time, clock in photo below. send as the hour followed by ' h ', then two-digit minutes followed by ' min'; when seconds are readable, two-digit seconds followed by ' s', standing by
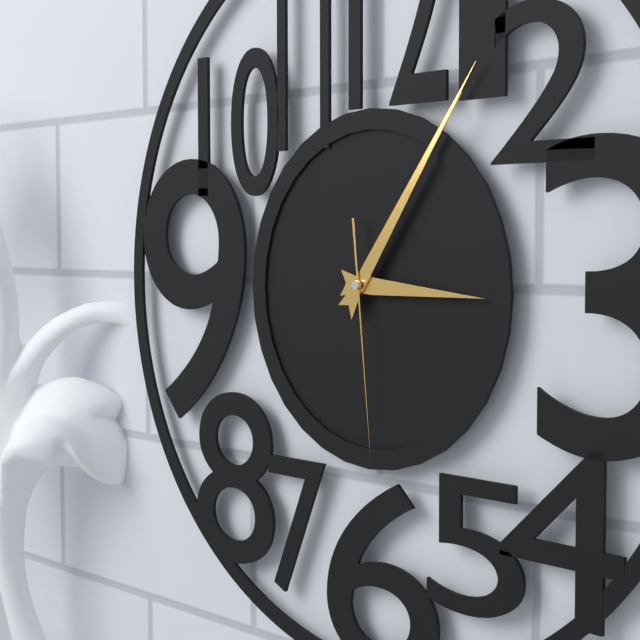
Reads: 3 h 06 min 29 s
